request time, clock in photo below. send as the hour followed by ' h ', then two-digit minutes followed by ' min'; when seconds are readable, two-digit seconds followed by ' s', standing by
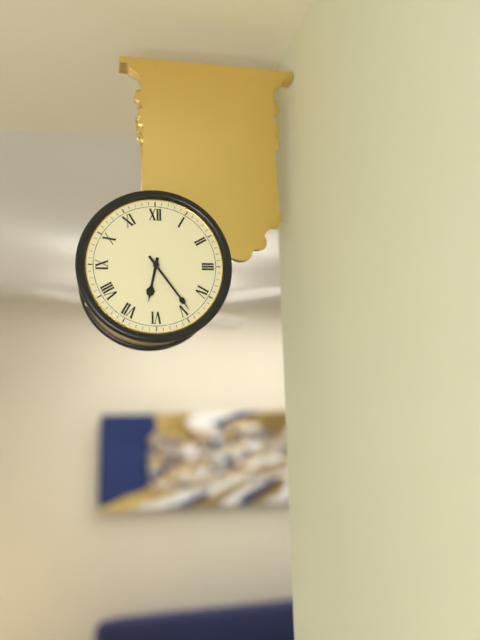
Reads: 6 h 24 min
